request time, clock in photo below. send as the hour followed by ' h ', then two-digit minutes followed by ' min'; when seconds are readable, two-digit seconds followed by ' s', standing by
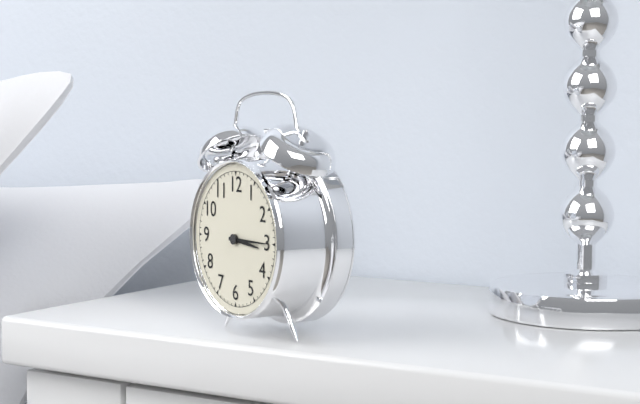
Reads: 3 h 15 min
